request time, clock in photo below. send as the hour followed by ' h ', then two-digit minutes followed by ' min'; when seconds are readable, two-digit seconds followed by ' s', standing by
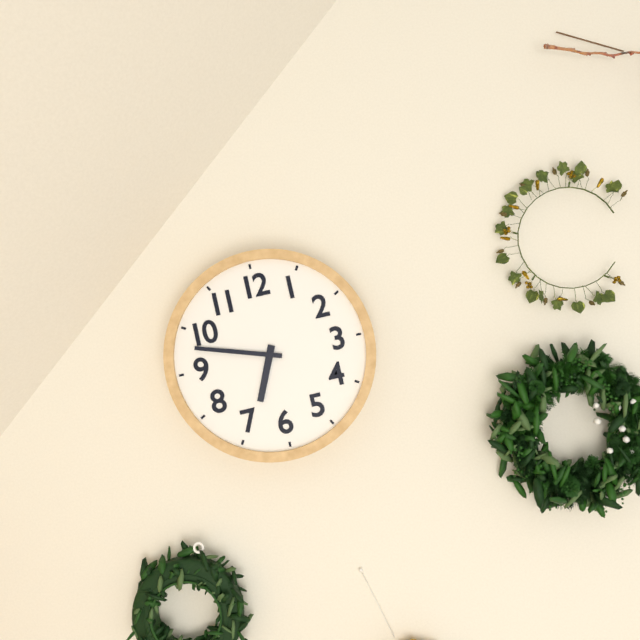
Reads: 6 h 48 min
